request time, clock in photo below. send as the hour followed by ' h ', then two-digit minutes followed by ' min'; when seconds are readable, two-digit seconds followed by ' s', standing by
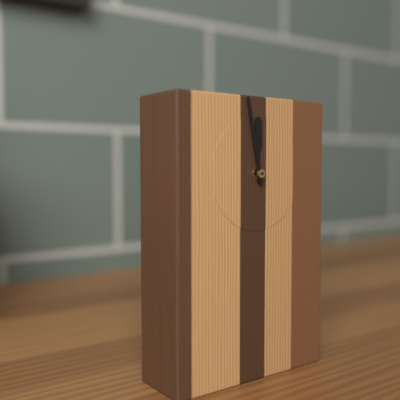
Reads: 11 h 58 min
